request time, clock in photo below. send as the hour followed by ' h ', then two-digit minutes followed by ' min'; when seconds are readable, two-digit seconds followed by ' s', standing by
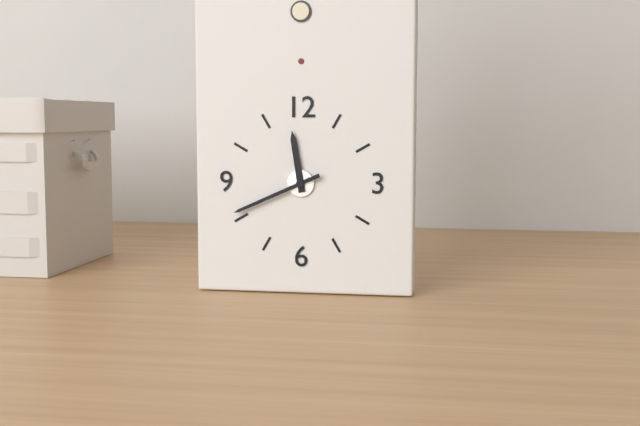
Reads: 11 h 41 min
